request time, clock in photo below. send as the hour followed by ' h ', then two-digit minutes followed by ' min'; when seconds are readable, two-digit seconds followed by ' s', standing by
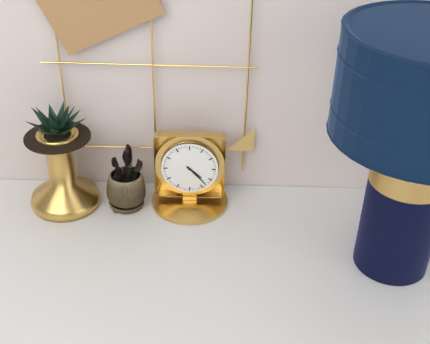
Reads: 4 h 23 min
